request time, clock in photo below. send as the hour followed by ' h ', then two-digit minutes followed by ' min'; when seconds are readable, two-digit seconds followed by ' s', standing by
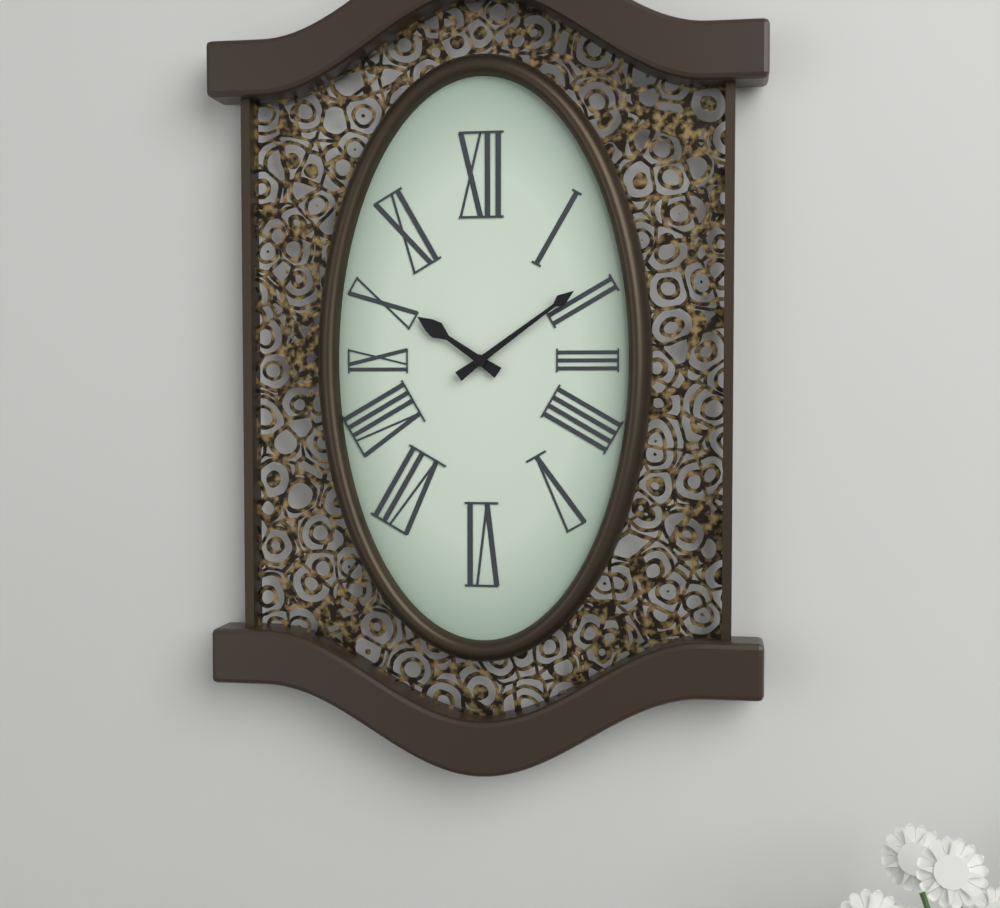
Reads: 10 h 09 min
